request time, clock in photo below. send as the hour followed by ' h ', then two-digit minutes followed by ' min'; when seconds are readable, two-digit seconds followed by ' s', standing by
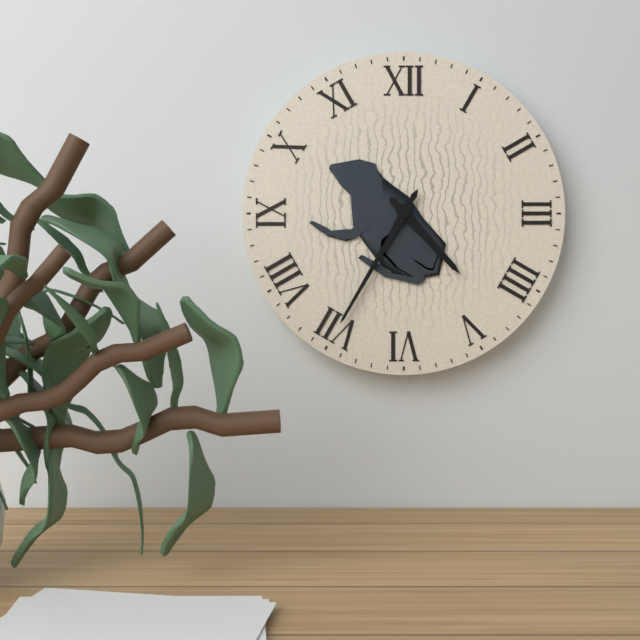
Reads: 4 h 35 min
